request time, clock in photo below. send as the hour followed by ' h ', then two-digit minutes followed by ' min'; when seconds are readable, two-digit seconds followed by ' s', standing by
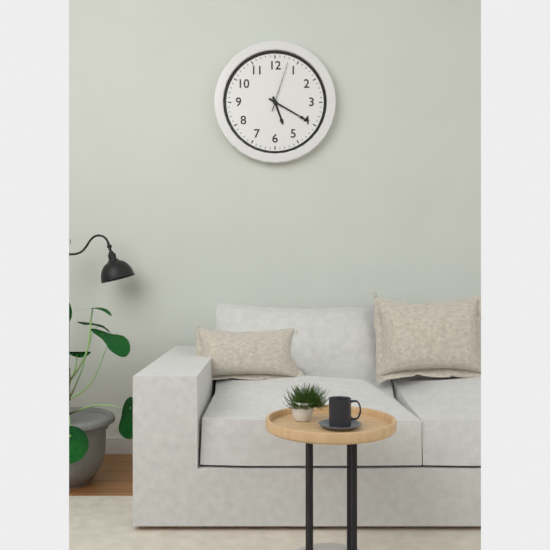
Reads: 5 h 20 min 03 s
